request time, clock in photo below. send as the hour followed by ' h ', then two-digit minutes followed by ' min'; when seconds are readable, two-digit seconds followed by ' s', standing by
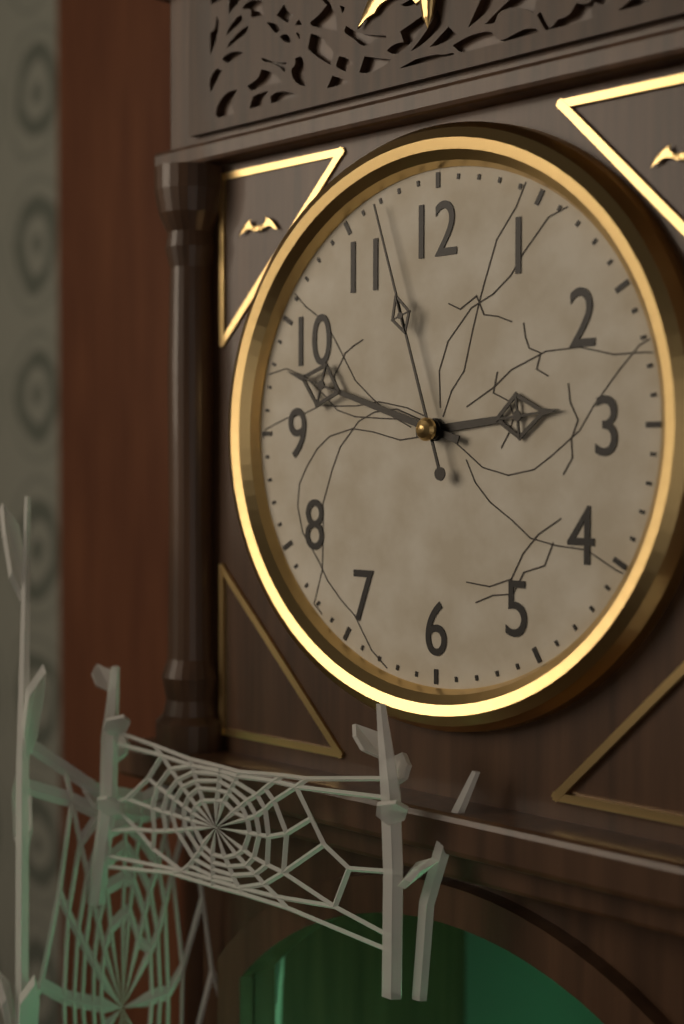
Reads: 2 h 48 min 57 s
